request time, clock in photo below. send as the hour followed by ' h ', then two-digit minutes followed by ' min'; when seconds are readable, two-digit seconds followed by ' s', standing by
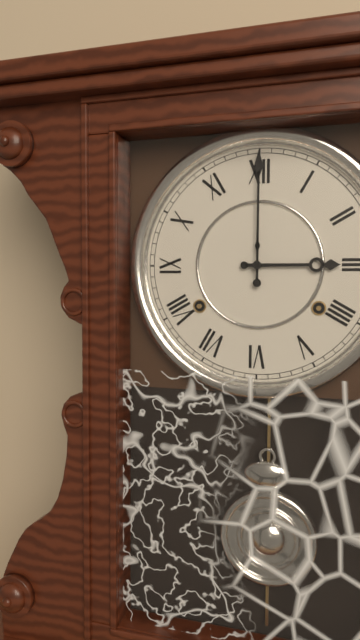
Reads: 3 h 00 min
